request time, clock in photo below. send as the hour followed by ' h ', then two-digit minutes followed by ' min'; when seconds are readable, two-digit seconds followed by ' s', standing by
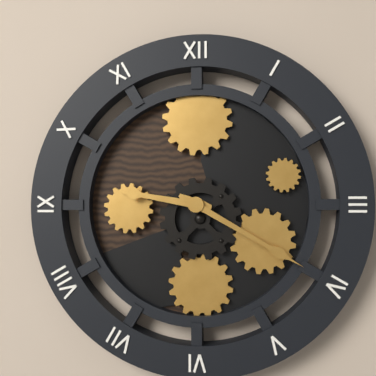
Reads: 9 h 20 min
